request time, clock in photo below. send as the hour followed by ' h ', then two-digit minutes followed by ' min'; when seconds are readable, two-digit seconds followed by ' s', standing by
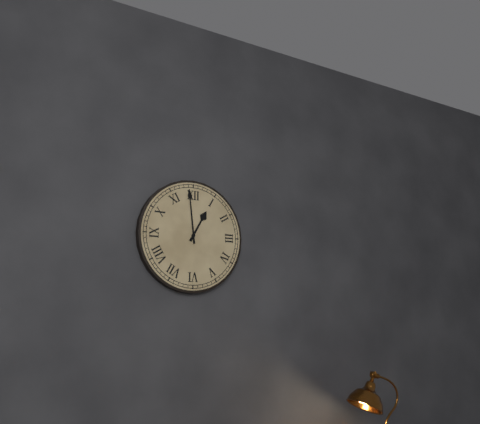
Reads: 12 h 59 min
